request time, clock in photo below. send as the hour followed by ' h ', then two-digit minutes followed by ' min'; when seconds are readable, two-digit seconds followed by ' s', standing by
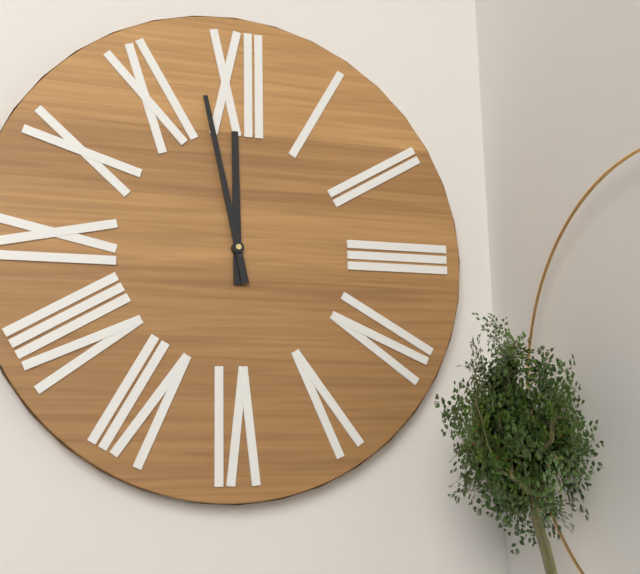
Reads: 11 h 58 min
